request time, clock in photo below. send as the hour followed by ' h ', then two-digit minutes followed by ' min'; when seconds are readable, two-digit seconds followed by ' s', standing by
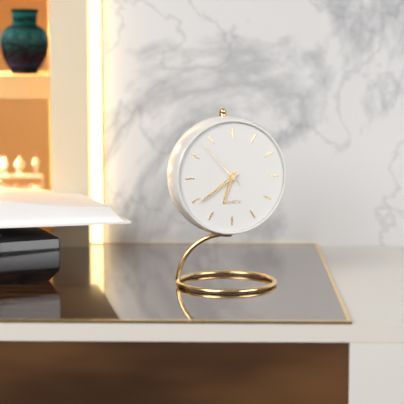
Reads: 6 h 39 min 53 s
